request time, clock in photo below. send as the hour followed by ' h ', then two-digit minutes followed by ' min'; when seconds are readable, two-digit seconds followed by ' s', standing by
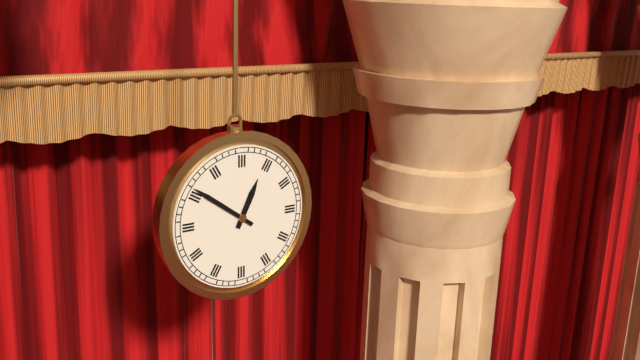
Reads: 12 h 51 min
